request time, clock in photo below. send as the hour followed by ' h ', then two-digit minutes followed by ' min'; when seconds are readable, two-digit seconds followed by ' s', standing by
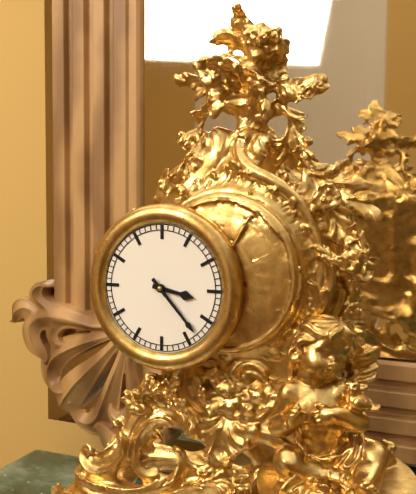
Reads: 3 h 23 min
